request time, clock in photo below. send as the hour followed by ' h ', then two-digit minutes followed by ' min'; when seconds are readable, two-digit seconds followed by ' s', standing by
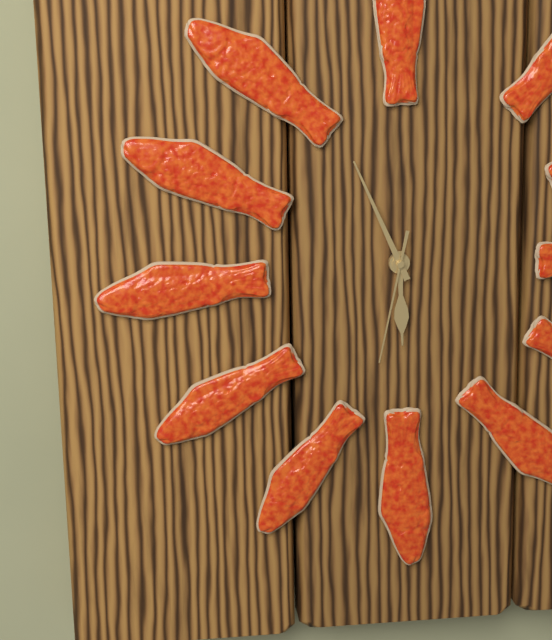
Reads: 5 h 56 min 32 s
